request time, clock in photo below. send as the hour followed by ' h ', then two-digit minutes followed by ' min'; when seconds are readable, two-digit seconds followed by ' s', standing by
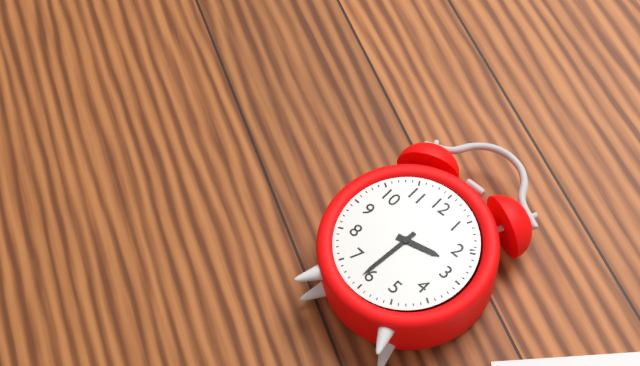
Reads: 2 h 31 min
